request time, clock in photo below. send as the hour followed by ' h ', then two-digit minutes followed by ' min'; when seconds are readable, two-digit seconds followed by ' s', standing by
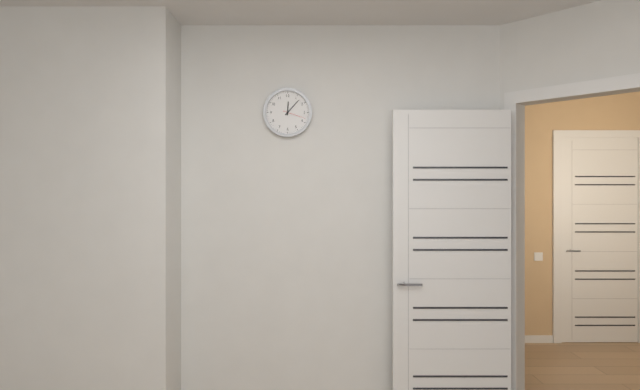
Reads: 12 h 07 min
